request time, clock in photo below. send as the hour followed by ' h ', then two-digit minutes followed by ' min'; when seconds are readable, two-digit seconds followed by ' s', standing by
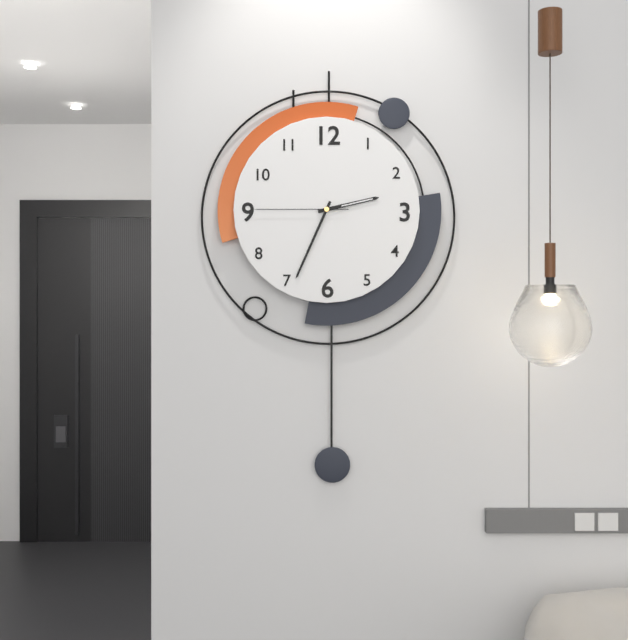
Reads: 2 h 34 min 45 s
